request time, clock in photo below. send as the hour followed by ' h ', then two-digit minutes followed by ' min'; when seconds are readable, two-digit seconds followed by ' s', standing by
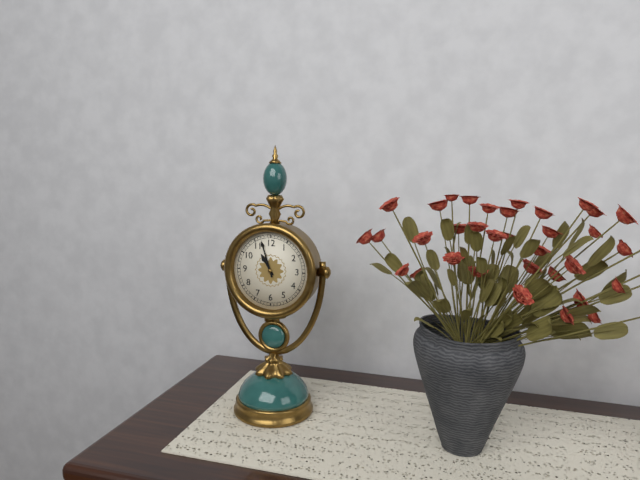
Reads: 10 h 57 min
